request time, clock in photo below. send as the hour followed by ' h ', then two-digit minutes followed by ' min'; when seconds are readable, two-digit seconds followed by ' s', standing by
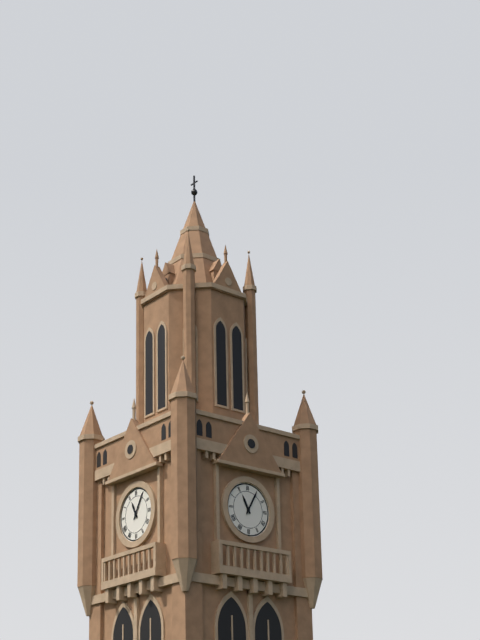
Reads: 11 h 05 min
